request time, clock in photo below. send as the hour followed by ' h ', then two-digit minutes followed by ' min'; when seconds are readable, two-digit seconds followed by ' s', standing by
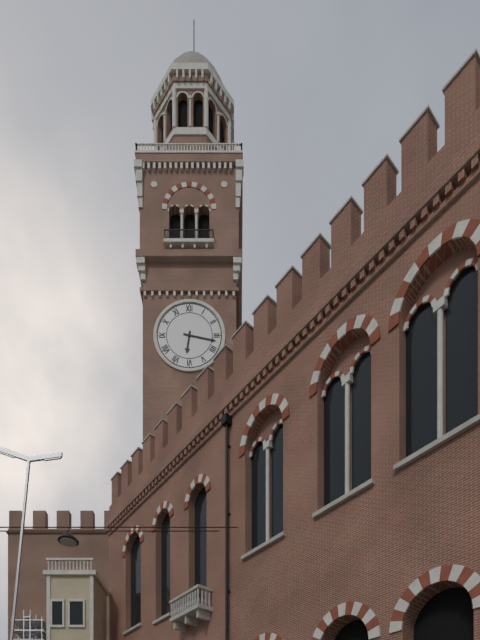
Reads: 6 h 17 min
